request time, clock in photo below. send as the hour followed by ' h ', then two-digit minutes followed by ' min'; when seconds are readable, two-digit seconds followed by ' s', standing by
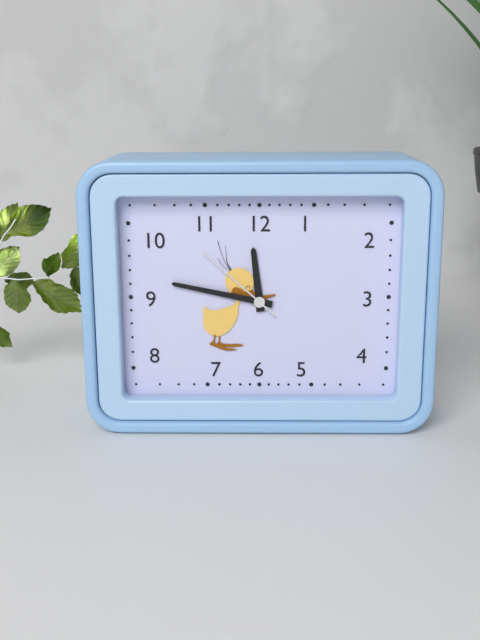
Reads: 11 h 47 min 52 s
